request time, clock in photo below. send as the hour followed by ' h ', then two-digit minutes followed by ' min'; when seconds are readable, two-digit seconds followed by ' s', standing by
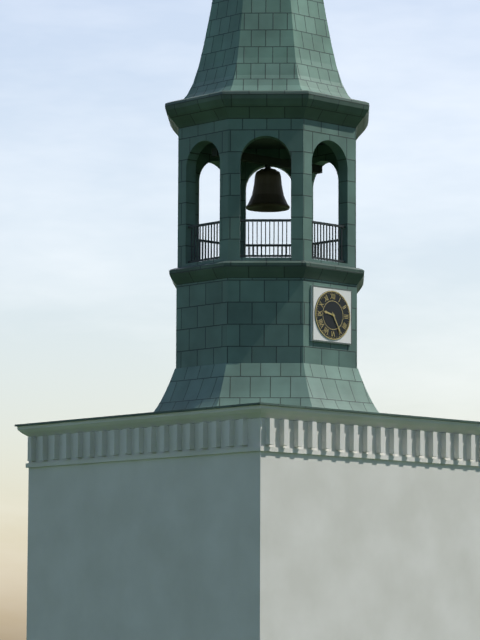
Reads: 9 h 25 min
